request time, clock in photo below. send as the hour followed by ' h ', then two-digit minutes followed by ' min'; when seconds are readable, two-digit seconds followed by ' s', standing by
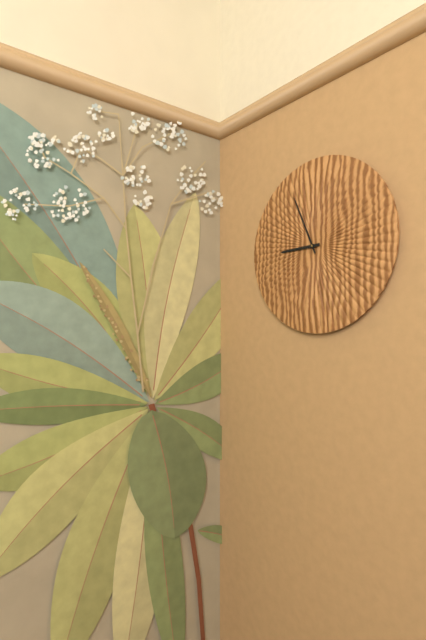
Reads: 8 h 56 min
